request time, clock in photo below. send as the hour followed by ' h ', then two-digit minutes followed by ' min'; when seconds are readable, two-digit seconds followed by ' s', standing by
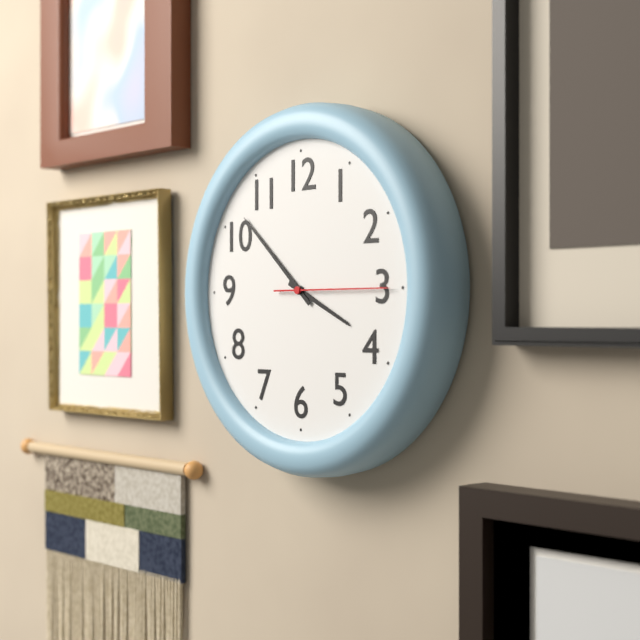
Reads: 3 h 52 min 15 s
